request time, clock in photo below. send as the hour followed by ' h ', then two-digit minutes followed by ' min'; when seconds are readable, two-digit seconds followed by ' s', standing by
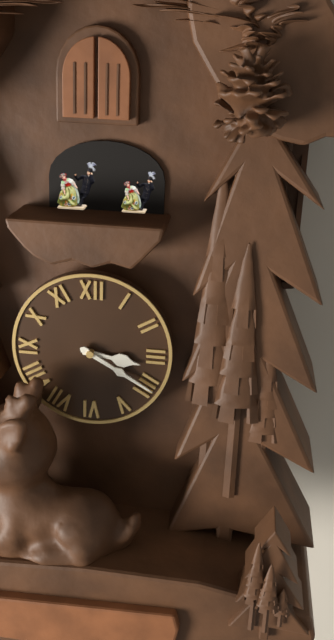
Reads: 3 h 20 min
